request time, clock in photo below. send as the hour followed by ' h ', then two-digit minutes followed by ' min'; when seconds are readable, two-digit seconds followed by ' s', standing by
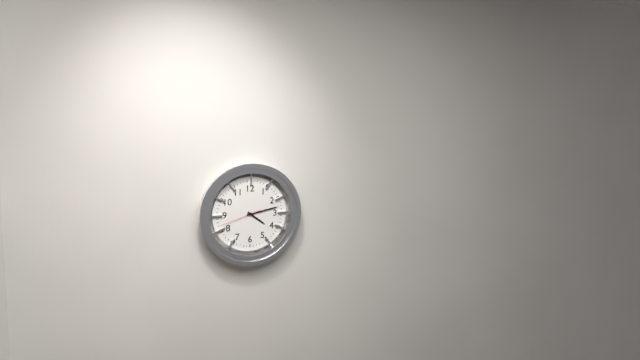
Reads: 4 h 13 min
